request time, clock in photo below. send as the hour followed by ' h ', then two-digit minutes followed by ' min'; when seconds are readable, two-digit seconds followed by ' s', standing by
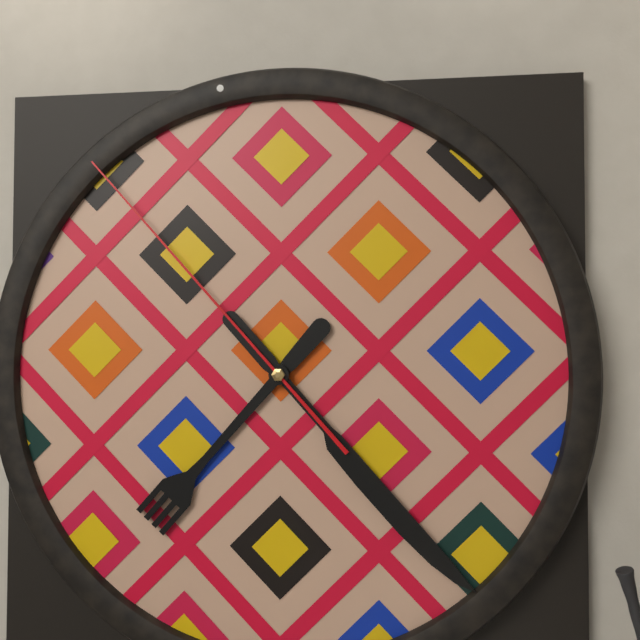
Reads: 7 h 23 min 53 s
